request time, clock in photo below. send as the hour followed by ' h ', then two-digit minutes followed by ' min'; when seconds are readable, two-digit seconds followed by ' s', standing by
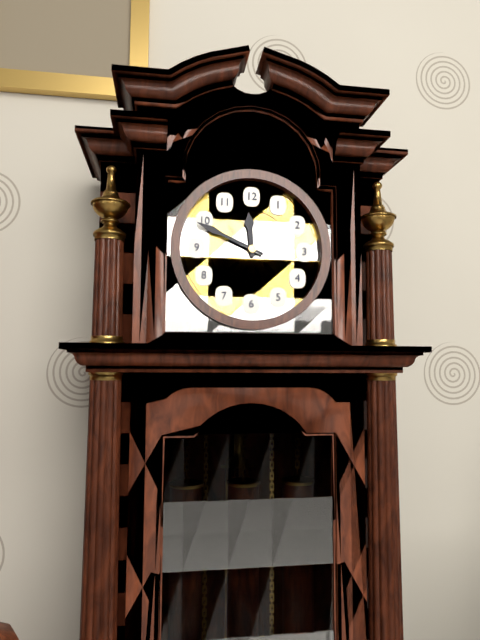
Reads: 11 h 49 min
